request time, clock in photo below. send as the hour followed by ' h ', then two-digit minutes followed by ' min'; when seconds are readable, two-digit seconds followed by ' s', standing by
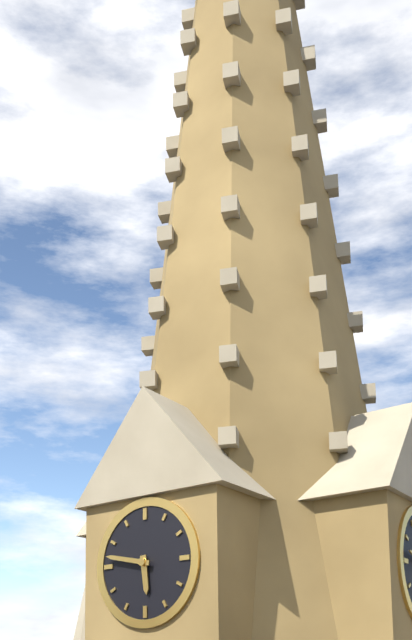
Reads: 5 h 47 min
